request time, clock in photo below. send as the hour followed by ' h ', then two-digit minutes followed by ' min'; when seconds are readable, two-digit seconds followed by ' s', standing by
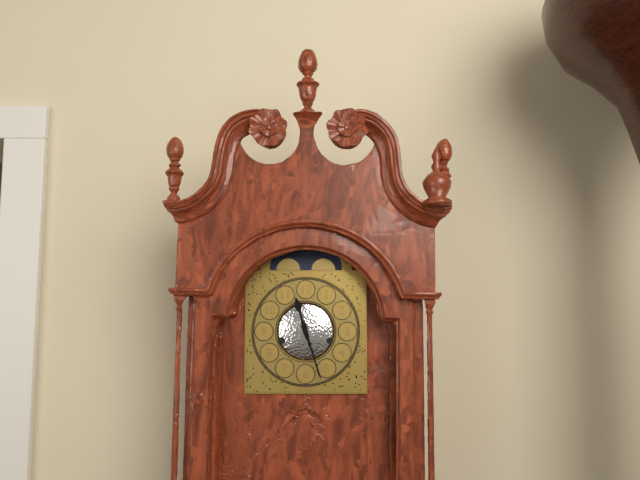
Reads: 11 h 27 min
